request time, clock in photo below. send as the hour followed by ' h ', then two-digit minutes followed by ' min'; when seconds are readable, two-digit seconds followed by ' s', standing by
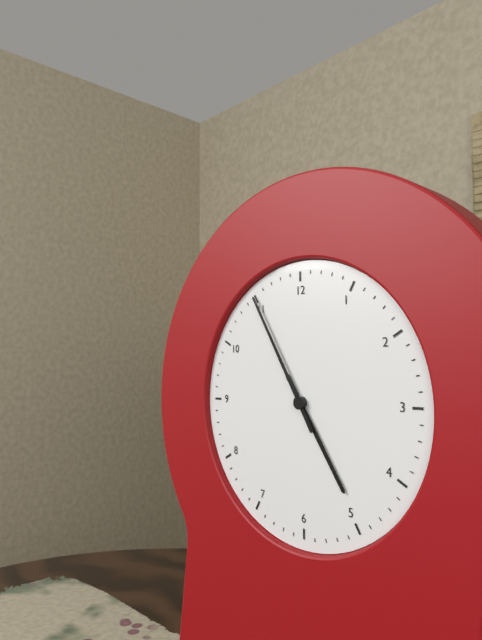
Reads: 4 h 55 min
